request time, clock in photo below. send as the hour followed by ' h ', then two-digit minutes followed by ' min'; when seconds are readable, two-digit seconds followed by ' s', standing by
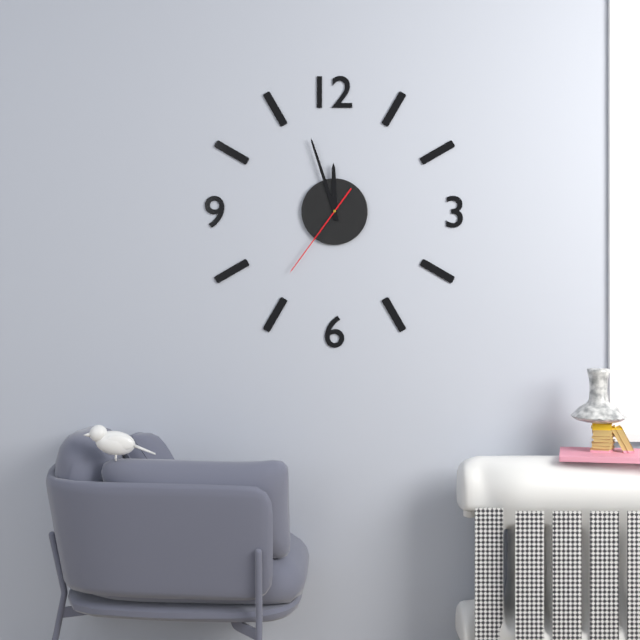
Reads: 11 h 57 min 36 s
